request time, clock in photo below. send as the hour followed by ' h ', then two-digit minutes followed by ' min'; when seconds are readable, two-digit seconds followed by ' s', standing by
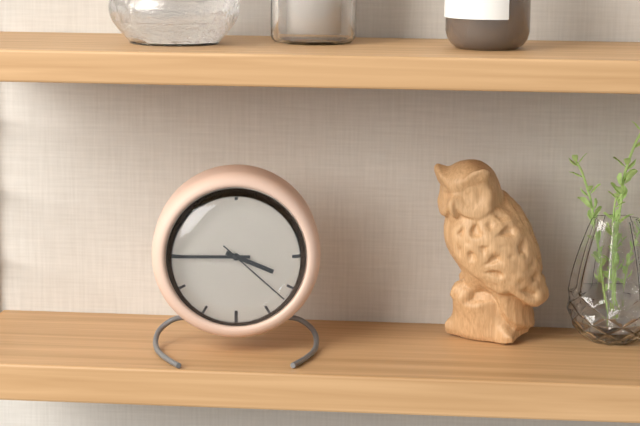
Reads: 3 h 45 min 22 s
